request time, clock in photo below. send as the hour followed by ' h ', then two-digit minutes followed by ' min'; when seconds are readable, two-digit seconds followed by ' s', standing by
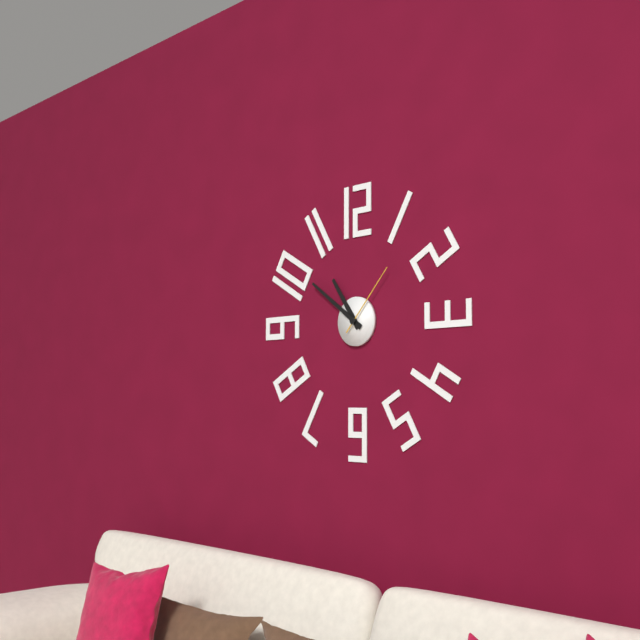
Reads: 10 h 51 min 07 s
